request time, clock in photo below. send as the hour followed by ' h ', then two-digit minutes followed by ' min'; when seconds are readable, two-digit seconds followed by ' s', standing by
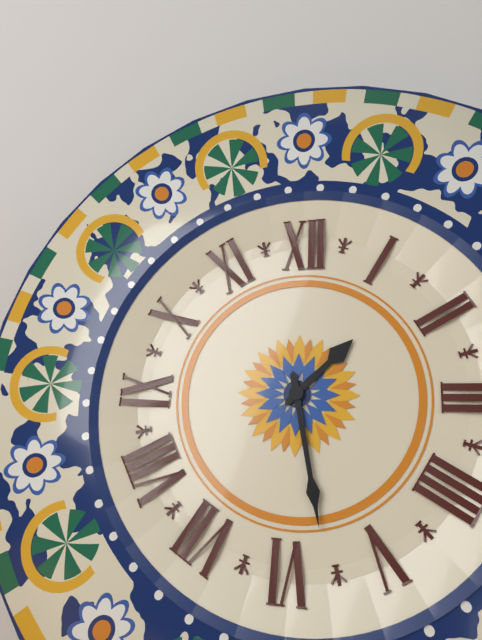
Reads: 1 h 28 min
